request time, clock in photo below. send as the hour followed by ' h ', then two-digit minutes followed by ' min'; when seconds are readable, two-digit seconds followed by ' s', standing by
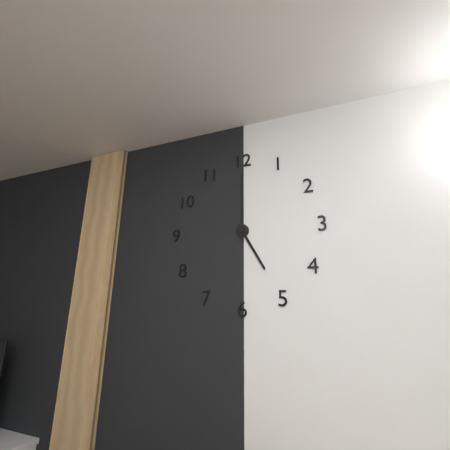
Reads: 5 h 00 min
